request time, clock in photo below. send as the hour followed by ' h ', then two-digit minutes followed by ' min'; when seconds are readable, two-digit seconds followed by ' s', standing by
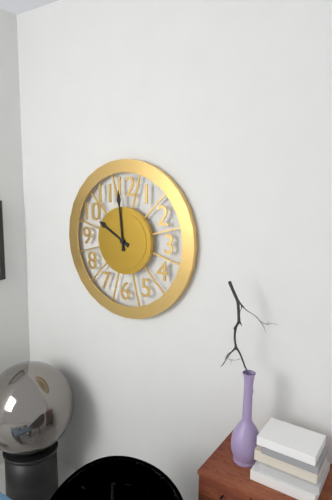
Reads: 9 h 59 min
